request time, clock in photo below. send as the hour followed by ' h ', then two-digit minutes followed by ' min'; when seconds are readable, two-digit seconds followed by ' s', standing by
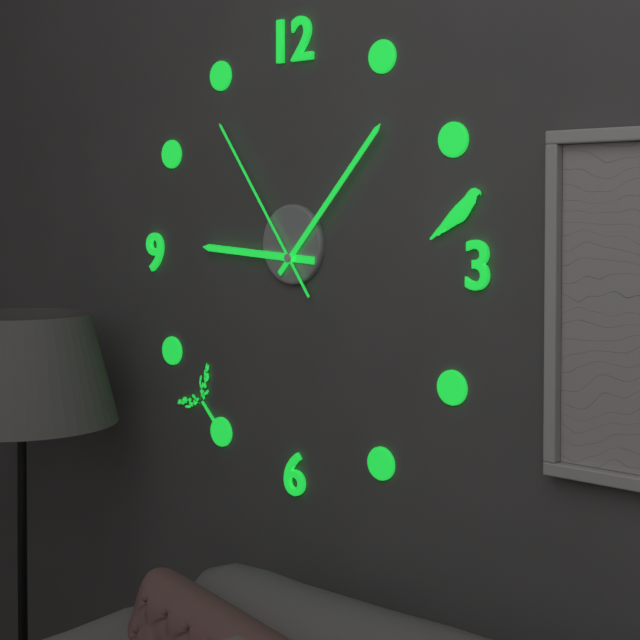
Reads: 9 h 07 min 54 s
